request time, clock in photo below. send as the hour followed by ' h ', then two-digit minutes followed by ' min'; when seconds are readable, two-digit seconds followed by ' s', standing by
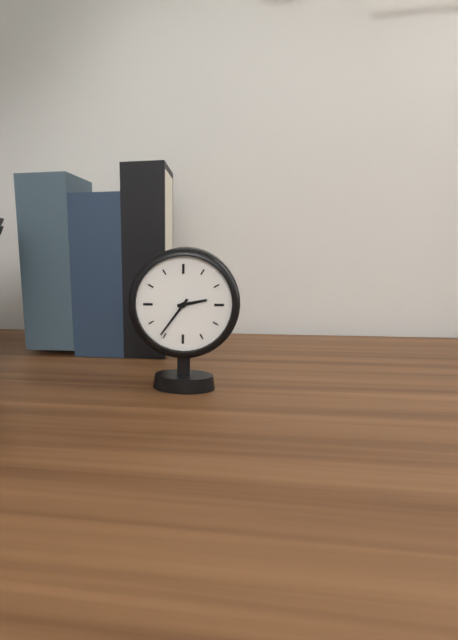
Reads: 2 h 36 min
